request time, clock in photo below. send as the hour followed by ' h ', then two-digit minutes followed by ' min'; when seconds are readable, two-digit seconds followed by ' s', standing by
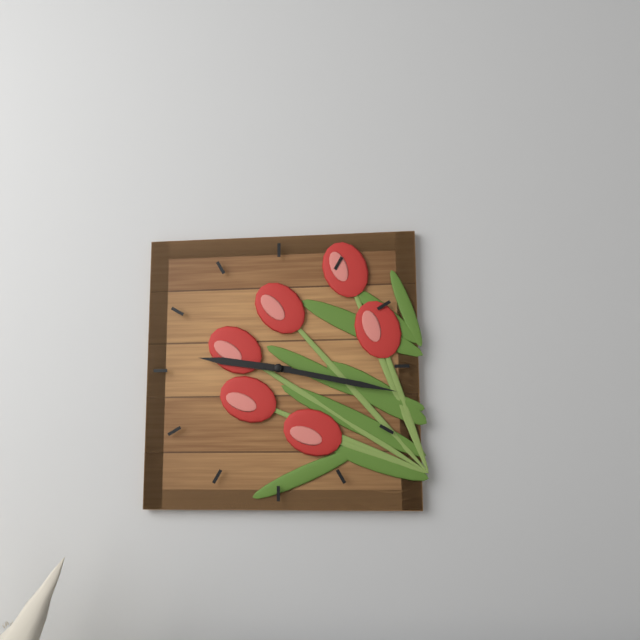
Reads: 9 h 17 min
